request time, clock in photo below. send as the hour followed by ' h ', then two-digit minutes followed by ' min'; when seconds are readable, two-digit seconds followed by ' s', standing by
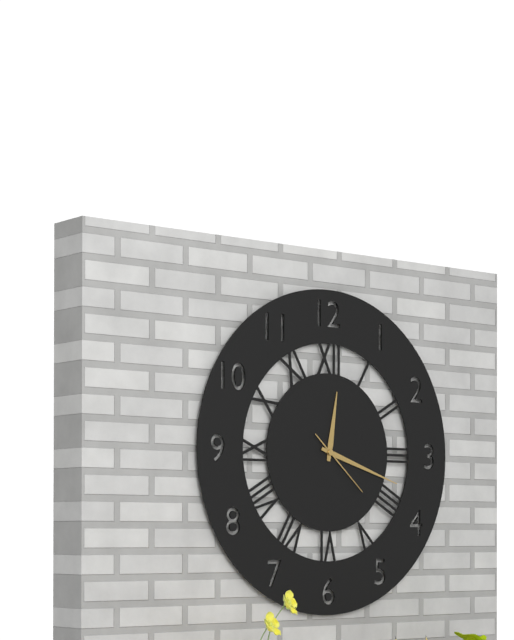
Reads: 12 h 18 min 22 s
